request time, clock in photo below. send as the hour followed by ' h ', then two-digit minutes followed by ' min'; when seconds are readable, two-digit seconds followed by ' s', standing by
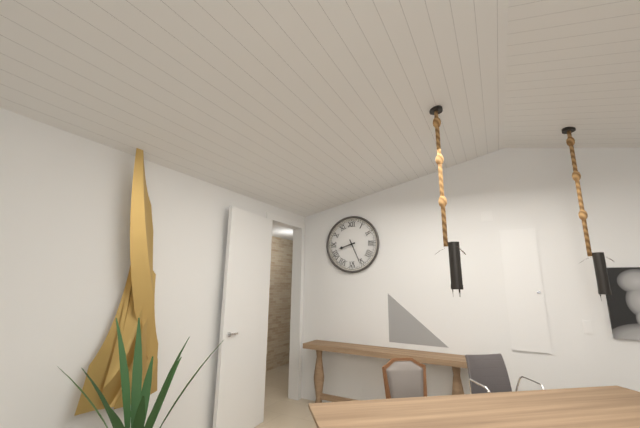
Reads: 8 h 26 min
